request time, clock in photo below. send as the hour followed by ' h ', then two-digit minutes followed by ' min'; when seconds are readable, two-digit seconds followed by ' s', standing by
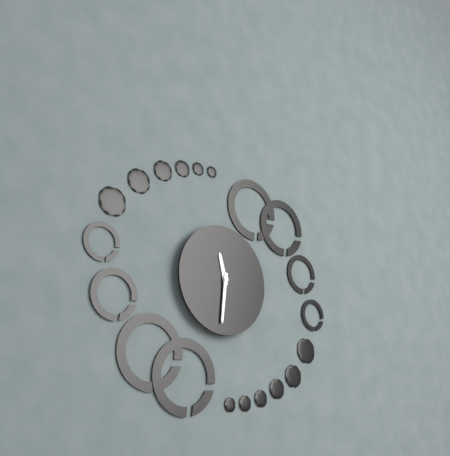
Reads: 11 h 31 min
